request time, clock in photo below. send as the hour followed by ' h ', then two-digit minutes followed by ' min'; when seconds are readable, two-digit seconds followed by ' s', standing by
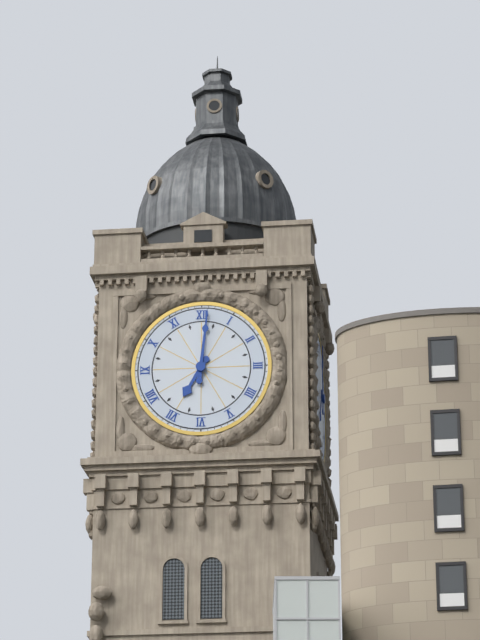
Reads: 7 h 01 min
